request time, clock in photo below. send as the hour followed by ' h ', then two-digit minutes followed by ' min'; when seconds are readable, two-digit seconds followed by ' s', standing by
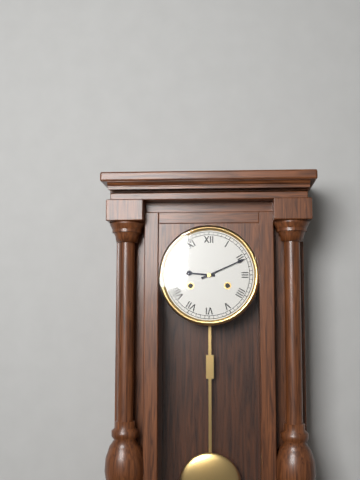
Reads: 9 h 11 min
